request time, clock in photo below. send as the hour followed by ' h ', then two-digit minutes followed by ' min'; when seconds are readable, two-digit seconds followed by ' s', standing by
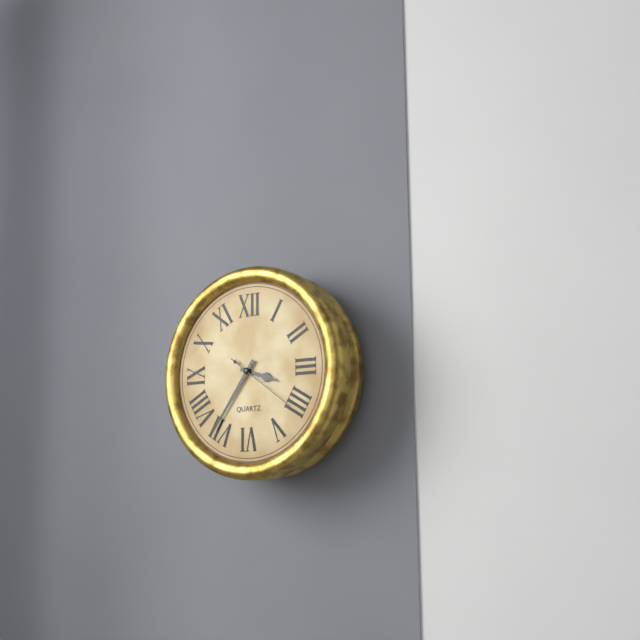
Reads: 3 h 36 min 21 s
